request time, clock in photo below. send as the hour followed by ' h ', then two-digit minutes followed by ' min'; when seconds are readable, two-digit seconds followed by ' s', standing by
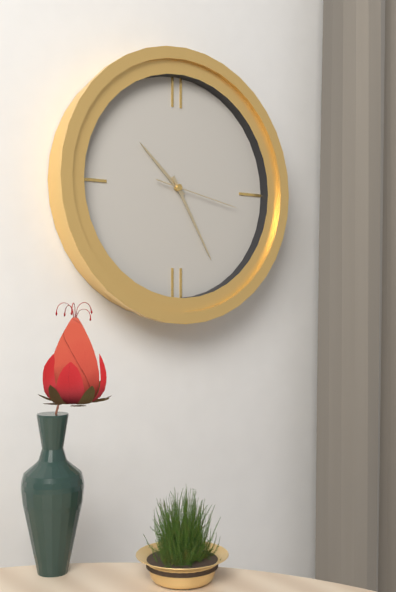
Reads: 10 h 25 min 17 s
